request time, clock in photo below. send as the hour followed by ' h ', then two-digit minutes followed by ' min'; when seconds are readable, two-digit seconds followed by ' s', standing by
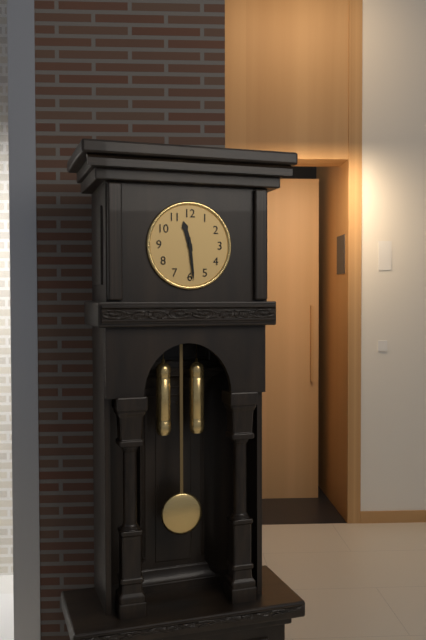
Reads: 11 h 29 min
